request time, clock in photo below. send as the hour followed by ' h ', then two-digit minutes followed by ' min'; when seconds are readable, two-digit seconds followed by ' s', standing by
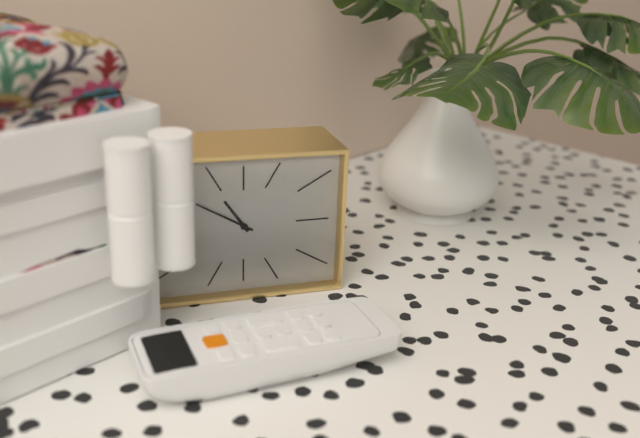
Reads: 10 h 50 min
